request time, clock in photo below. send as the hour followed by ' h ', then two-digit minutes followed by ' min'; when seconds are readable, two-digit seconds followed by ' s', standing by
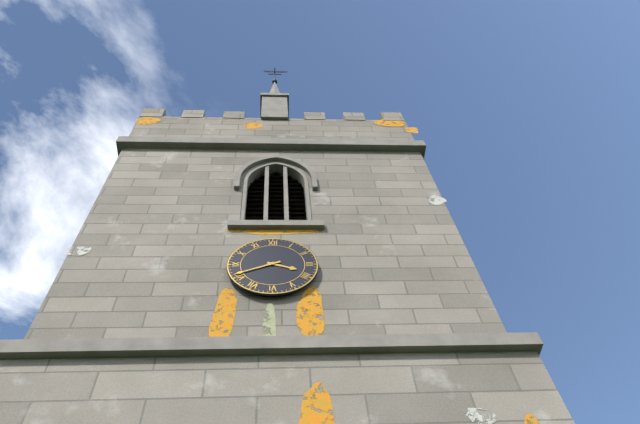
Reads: 3 h 41 min
